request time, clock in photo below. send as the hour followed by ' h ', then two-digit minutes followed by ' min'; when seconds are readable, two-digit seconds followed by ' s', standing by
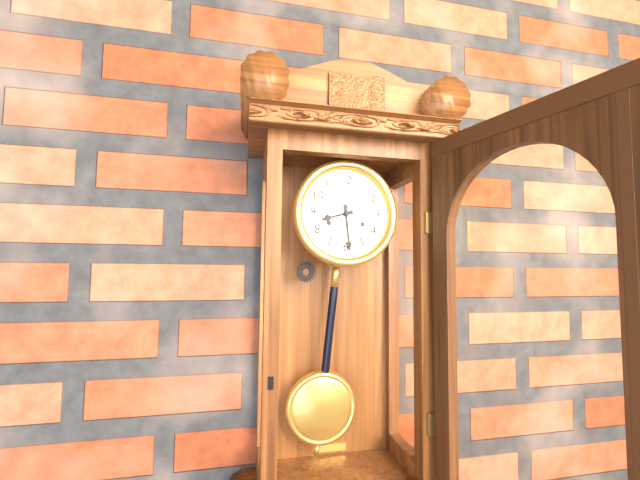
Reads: 8 h 29 min
